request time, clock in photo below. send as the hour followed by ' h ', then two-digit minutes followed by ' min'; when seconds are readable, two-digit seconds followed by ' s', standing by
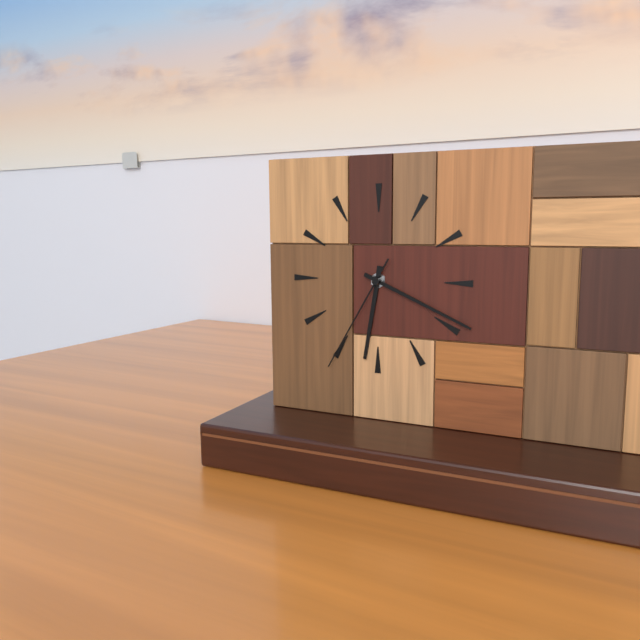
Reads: 6 h 19 min 35 s
